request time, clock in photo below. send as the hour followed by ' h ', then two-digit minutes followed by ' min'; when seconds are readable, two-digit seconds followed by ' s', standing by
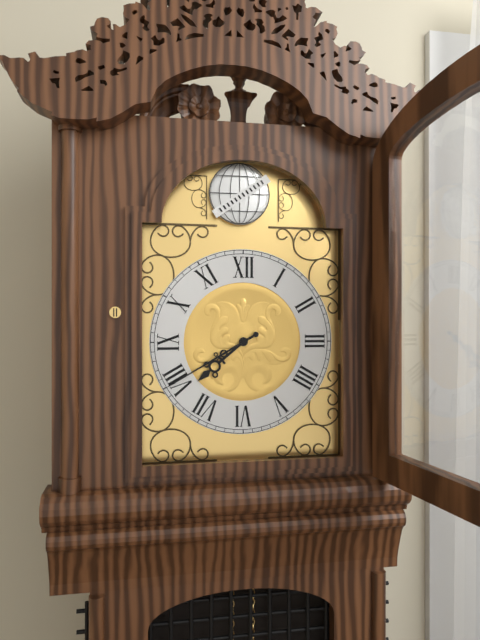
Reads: 7 h 40 min
